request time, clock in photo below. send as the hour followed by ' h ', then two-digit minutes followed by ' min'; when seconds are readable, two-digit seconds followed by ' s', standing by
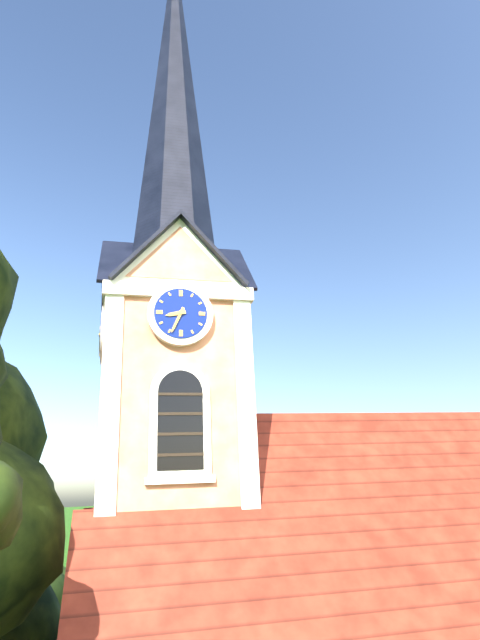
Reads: 8 h 34 min
